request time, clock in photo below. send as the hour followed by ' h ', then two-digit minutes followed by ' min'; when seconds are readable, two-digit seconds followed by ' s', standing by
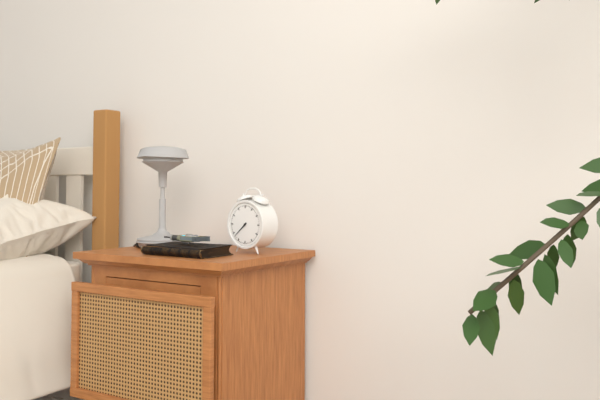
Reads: 7 h 38 min
